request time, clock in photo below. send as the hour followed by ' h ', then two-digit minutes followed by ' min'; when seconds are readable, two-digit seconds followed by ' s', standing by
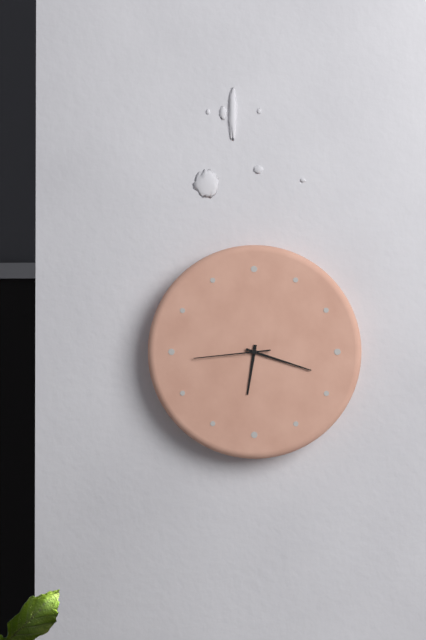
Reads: 6 h 18 min 44 s
